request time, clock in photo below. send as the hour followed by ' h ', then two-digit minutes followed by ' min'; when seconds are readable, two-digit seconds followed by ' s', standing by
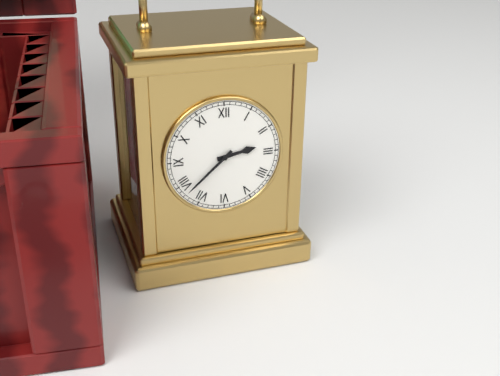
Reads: 2 h 38 min
